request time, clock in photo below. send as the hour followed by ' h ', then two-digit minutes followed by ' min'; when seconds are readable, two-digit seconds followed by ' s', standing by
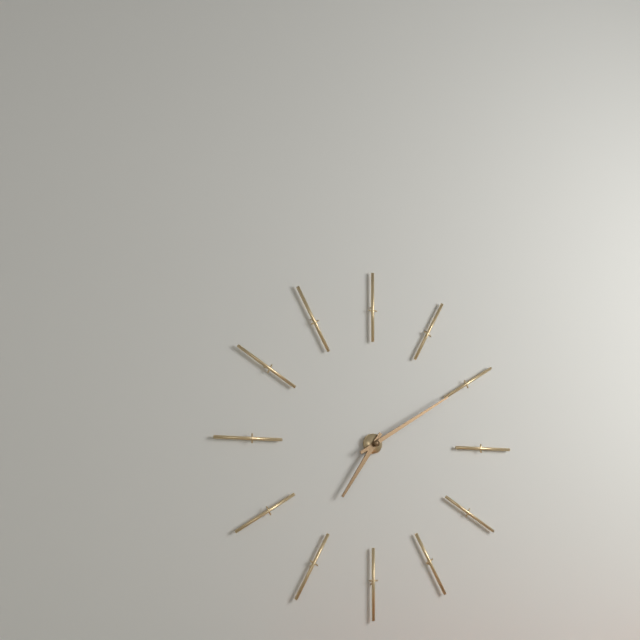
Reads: 7 h 10 min
